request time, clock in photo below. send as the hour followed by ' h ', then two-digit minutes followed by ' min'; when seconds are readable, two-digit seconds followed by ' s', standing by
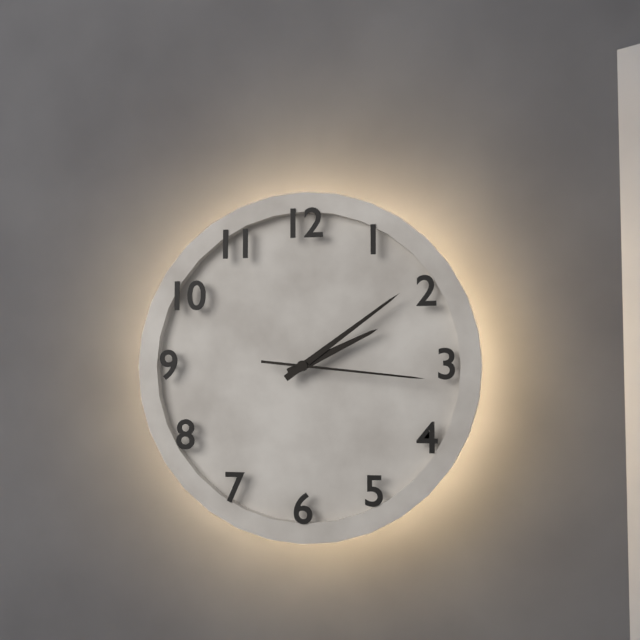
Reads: 2 h 09 min 16 s
